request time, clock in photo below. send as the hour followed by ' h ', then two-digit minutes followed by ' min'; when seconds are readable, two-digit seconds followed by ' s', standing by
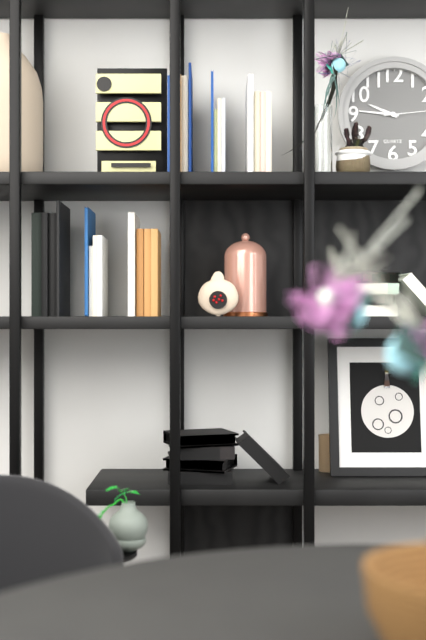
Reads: 9 h 46 min
